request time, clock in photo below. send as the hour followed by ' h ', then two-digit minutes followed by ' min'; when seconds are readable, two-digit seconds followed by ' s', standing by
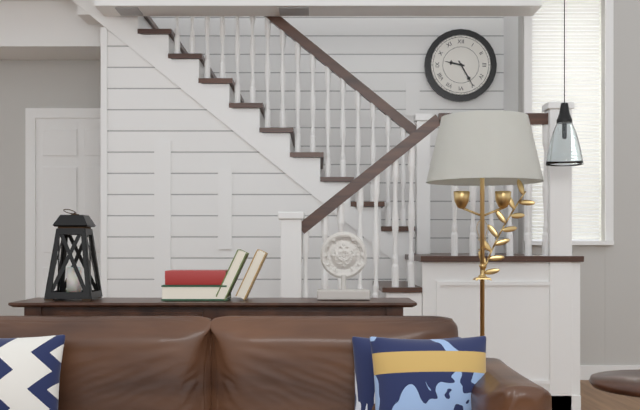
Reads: 9 h 25 min
